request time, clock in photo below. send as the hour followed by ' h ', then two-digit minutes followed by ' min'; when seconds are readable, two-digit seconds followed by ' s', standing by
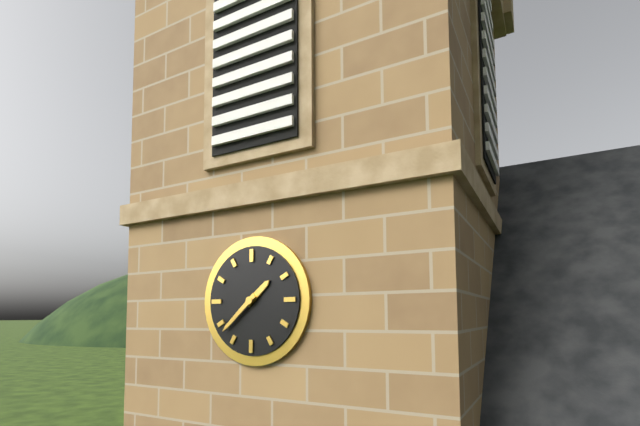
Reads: 1 h 38 min
